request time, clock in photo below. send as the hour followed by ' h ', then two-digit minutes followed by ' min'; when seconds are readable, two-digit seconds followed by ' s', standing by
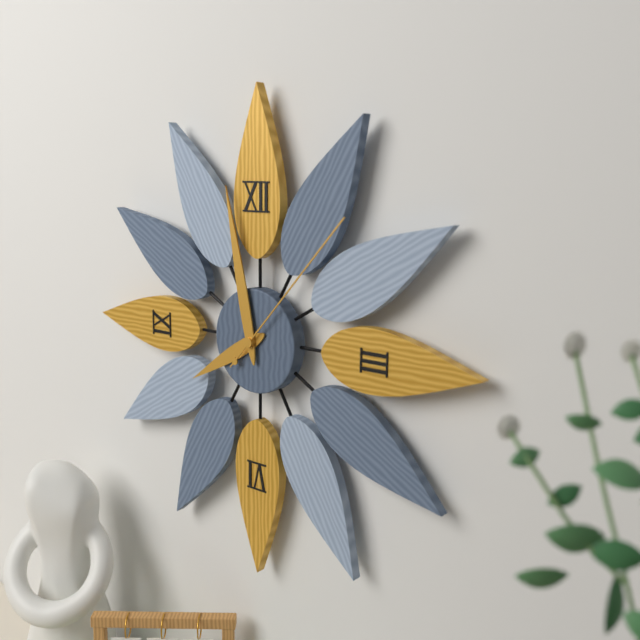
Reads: 7 h 58 min 07 s
